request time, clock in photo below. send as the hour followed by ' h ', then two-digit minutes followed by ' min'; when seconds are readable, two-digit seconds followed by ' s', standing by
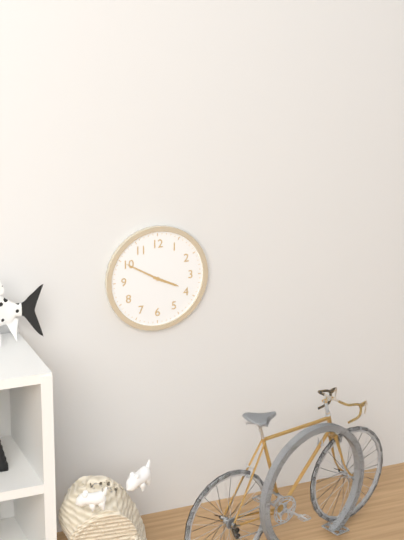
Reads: 3 h 50 min
